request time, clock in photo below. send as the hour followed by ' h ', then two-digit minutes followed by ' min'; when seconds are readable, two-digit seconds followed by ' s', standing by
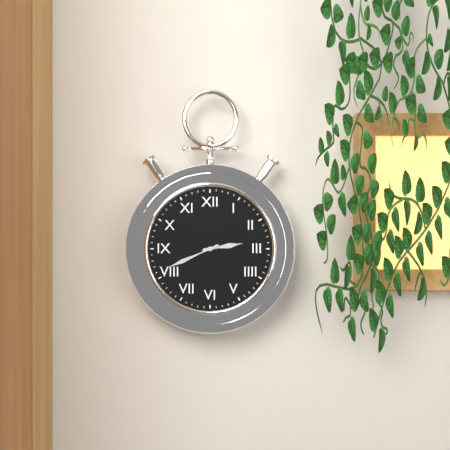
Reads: 2 h 41 min
